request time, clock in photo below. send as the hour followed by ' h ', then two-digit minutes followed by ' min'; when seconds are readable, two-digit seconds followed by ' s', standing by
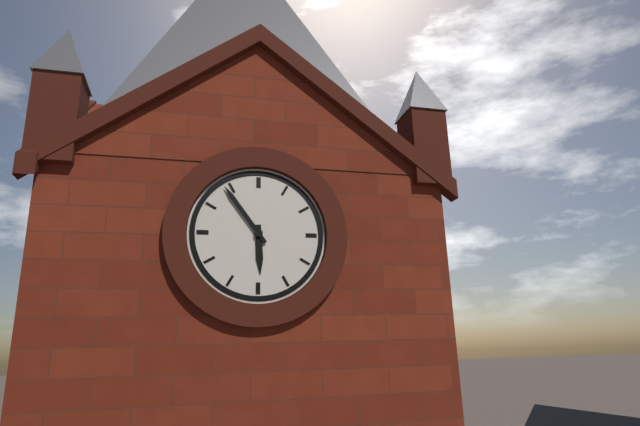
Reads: 5 h 54 min
